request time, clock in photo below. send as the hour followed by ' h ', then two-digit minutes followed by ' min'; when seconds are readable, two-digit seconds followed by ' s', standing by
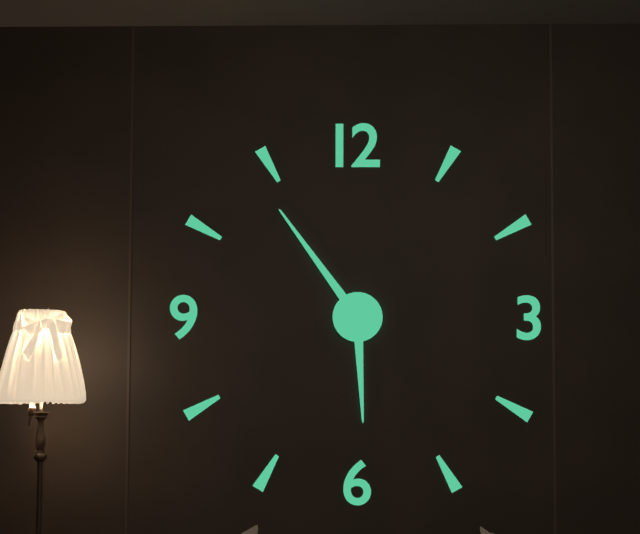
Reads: 5 h 54 min
